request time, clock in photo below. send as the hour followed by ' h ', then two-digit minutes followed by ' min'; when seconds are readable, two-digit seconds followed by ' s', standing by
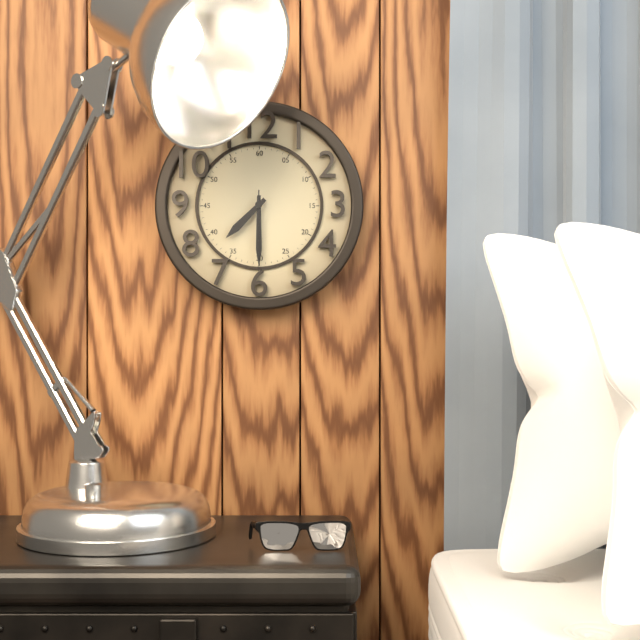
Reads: 7 h 30 min 30 s
